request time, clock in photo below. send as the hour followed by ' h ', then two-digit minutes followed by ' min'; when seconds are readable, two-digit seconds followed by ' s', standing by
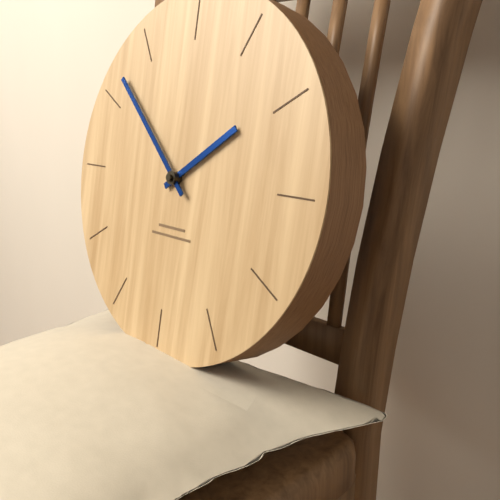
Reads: 1 h 52 min
